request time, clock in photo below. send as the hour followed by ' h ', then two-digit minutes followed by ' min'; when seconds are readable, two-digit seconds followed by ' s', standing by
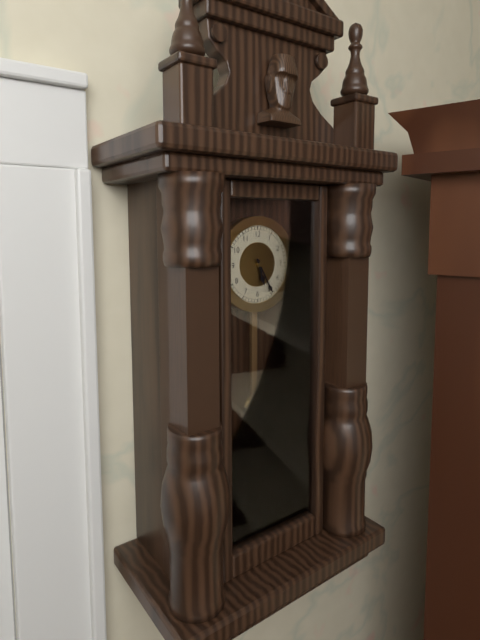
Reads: 5 h 25 min
